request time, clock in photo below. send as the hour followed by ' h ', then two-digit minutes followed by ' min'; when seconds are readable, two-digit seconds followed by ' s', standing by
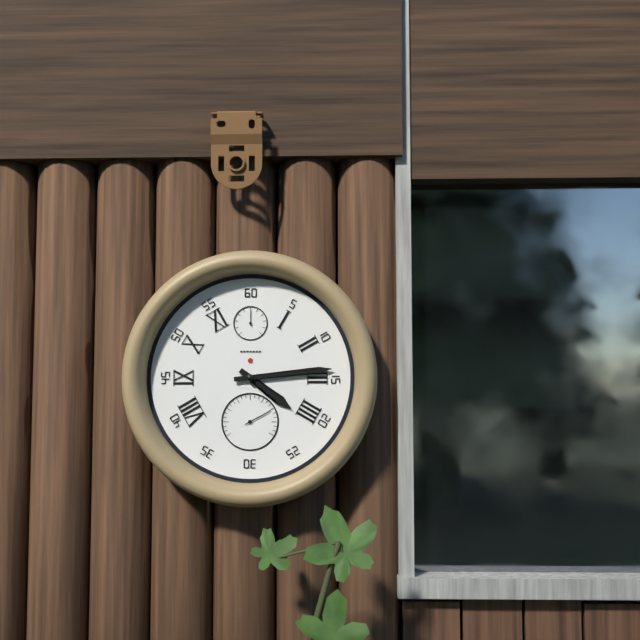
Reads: 4 h 14 min
